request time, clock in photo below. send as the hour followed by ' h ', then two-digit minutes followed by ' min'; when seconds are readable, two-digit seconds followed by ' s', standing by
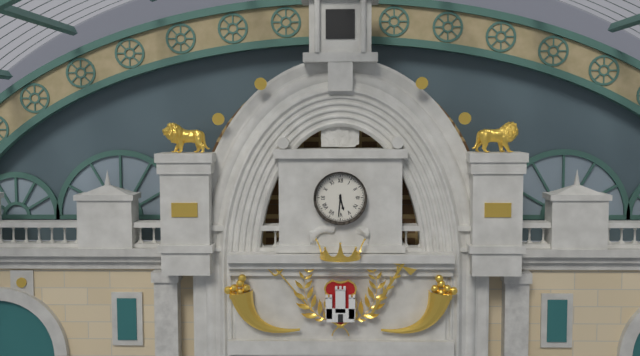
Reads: 5 h 31 min
